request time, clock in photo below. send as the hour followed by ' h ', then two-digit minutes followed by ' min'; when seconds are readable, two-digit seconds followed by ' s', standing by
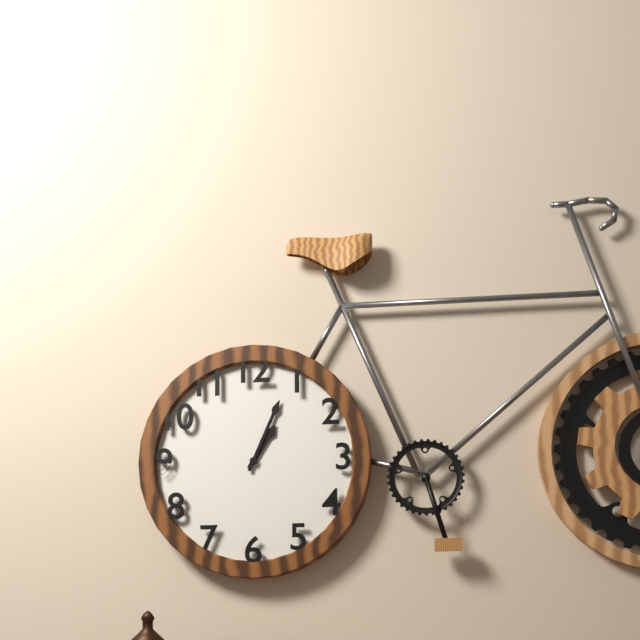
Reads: 1 h 04 min
